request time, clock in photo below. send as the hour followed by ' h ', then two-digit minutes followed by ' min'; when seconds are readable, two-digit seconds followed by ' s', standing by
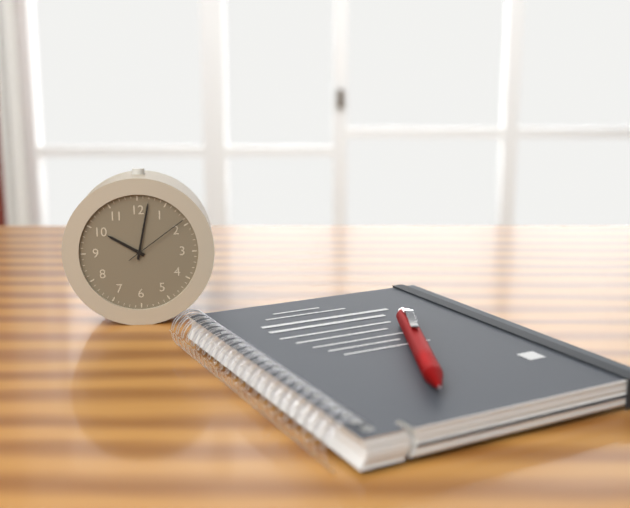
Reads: 10 h 02 min 09 s
